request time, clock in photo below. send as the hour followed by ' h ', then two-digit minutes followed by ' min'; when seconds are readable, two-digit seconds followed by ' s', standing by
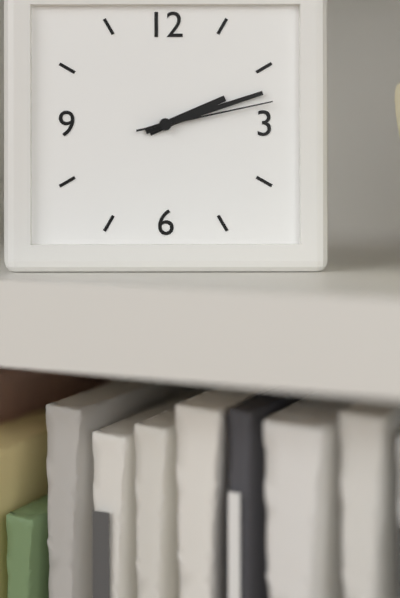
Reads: 2 h 12 min 13 s
